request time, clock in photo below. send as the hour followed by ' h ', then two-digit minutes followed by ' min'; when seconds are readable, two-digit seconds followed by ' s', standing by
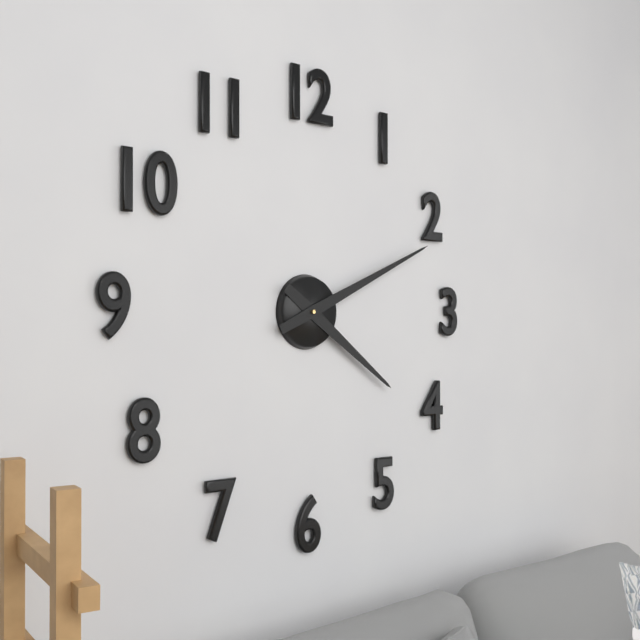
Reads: 4 h 11 min
